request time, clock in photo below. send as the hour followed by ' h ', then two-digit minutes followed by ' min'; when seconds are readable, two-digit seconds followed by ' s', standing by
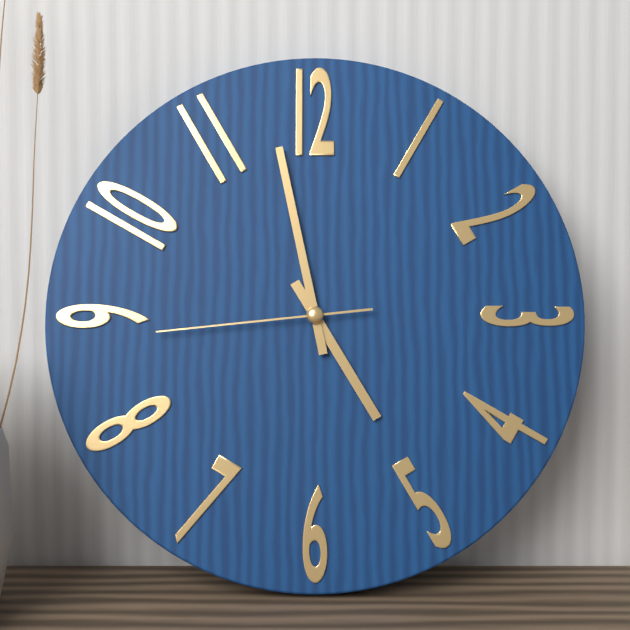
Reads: 4 h 58 min 44 s
